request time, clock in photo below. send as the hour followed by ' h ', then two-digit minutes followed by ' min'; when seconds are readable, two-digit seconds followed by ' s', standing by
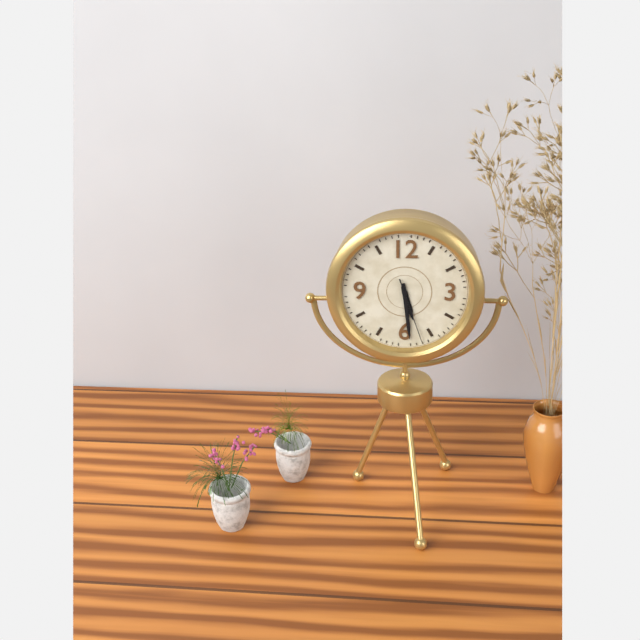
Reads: 5 h 29 min 27 s
